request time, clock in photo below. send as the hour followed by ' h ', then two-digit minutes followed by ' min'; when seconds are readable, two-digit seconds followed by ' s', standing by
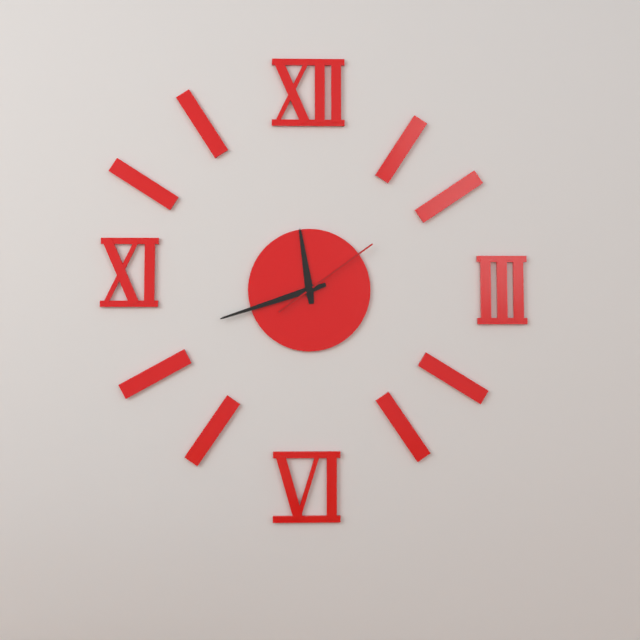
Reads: 11 h 42 min 09 s
